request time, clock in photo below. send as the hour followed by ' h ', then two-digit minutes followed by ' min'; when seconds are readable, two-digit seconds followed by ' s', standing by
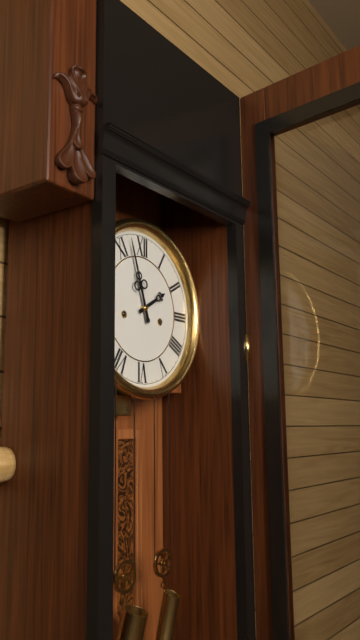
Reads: 1 h 57 min
